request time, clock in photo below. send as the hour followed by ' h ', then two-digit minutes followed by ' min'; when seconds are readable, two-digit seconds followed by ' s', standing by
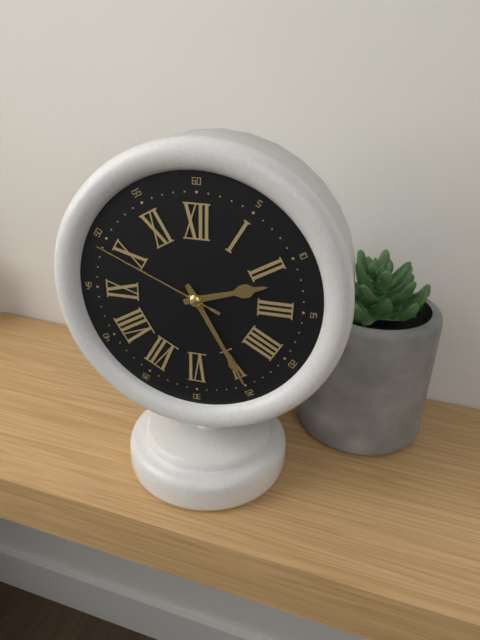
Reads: 2 h 25 min 49 s
